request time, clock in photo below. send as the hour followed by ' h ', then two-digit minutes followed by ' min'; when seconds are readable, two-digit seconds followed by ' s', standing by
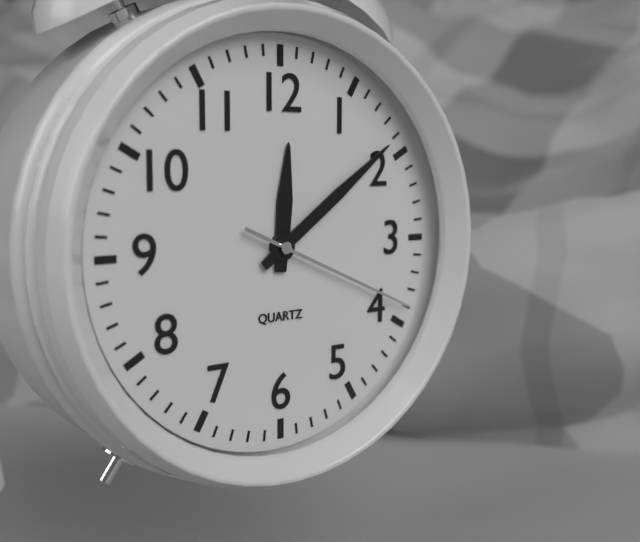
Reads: 12 h 09 min 19 s
